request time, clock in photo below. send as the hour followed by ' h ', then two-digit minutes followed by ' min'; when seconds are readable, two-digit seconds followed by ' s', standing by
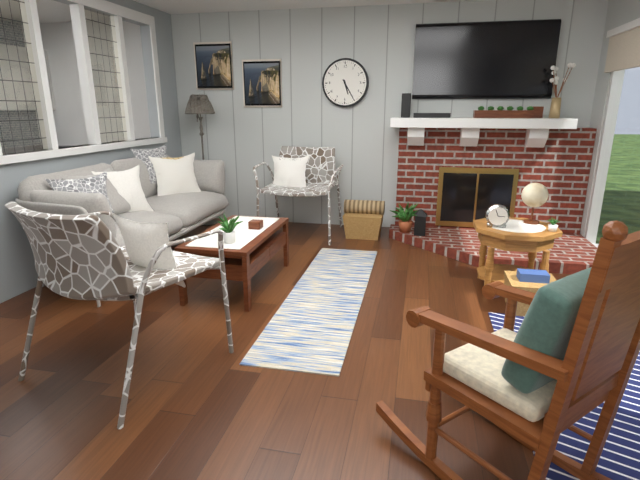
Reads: 5 h 25 min
